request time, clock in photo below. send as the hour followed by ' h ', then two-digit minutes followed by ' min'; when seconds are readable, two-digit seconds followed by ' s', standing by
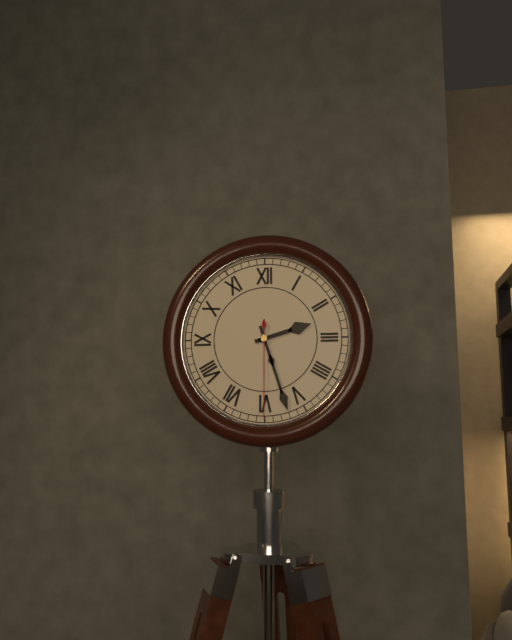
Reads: 2 h 27 min 30 s
